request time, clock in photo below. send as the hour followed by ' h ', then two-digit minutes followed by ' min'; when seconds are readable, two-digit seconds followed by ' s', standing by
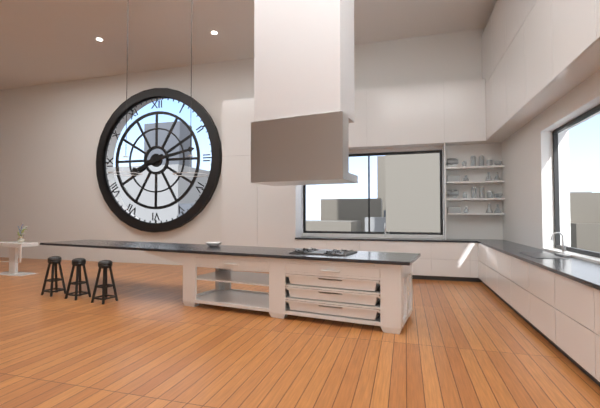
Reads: 8 h 13 min
